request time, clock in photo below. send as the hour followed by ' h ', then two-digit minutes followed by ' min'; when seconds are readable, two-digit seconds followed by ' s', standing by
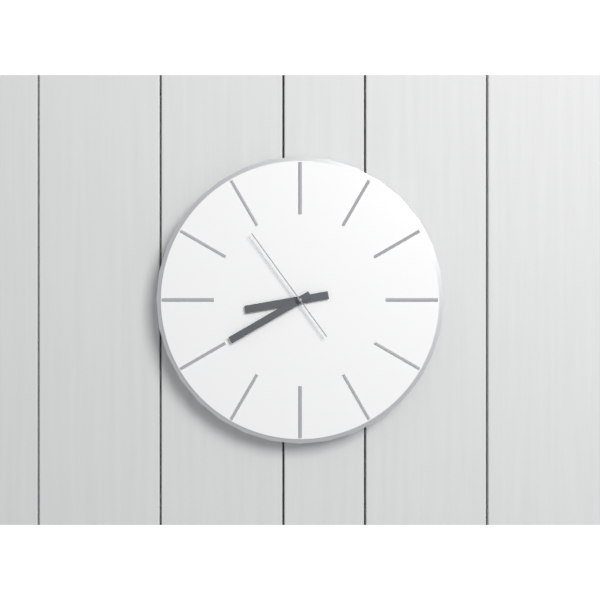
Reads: 8 h 40 min 54 s
